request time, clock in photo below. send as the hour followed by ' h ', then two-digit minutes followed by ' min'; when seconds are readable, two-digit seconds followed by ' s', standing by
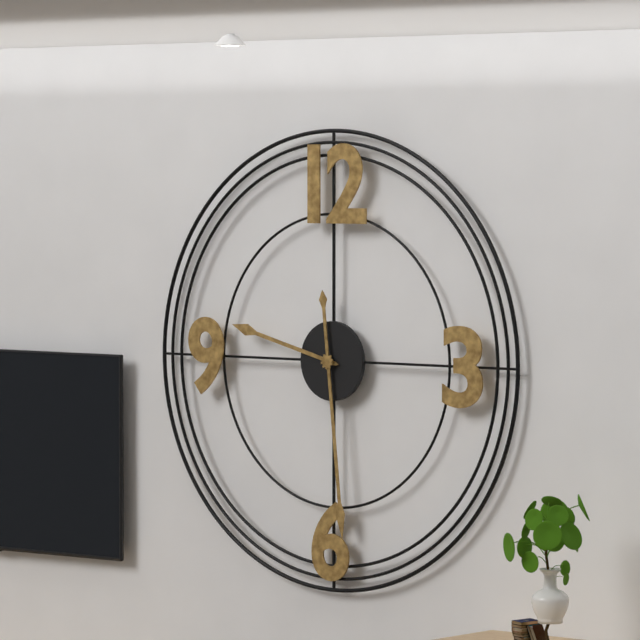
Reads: 9 h 29 min
